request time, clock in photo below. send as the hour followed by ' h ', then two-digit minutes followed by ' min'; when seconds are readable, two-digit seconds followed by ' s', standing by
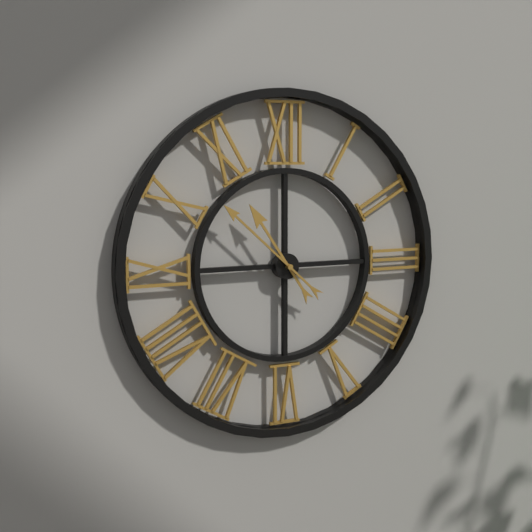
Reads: 10 h 52 min
